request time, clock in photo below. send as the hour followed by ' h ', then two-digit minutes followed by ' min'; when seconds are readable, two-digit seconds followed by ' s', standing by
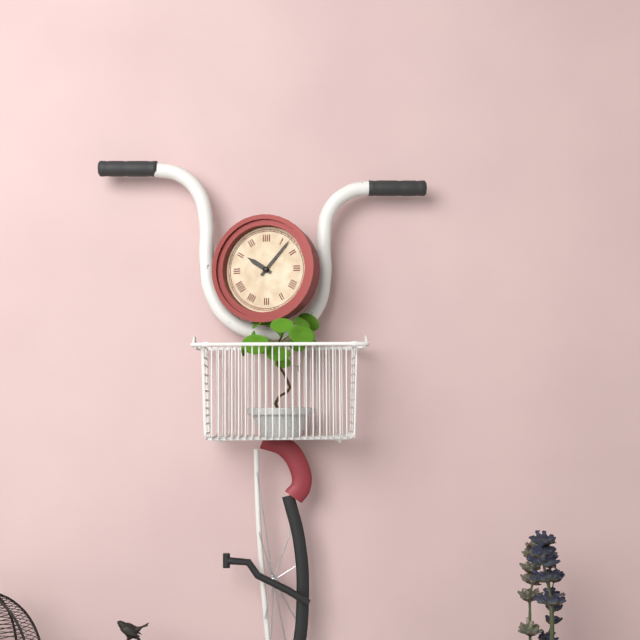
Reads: 10 h 07 min
